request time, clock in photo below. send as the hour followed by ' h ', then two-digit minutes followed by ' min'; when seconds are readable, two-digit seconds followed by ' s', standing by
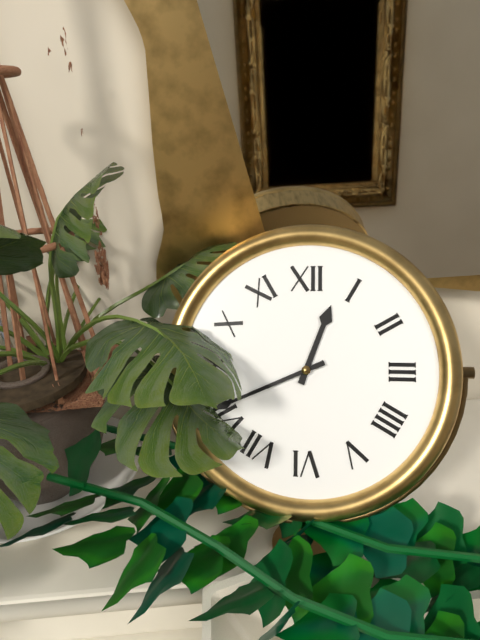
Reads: 12 h 41 min
